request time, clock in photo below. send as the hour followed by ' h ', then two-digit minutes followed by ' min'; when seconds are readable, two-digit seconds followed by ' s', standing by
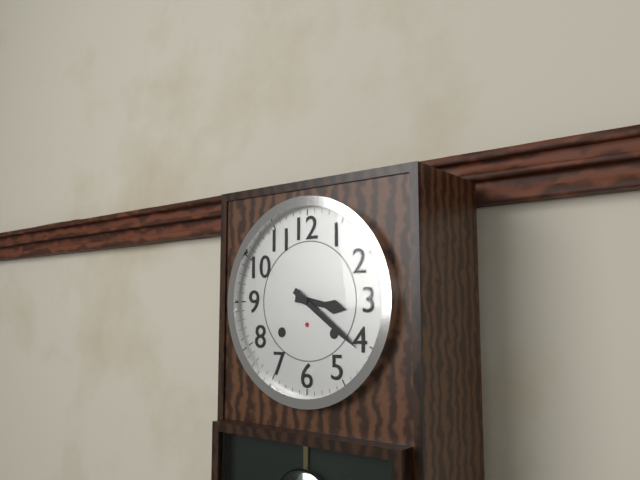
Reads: 3 h 21 min
